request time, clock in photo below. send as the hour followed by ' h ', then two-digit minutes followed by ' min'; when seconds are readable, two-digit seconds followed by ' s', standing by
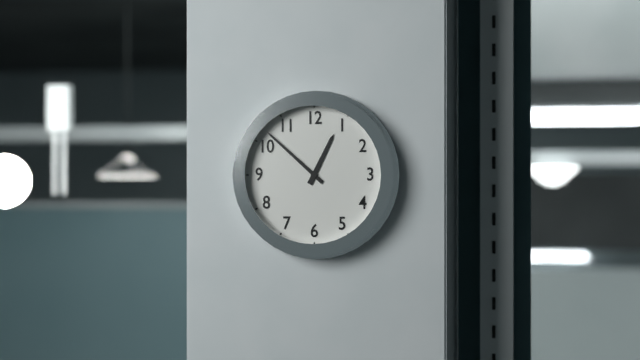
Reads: 12 h 52 min
